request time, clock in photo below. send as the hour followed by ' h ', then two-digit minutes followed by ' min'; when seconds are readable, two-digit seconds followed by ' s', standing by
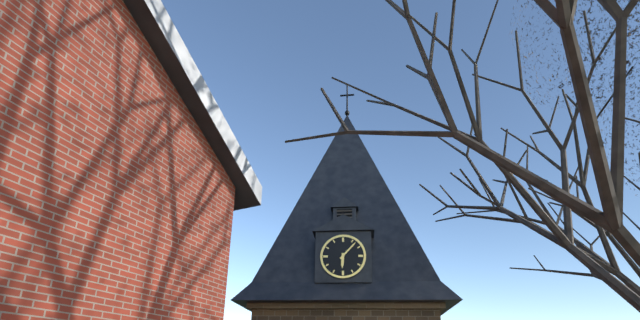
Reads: 6 h 07 min
